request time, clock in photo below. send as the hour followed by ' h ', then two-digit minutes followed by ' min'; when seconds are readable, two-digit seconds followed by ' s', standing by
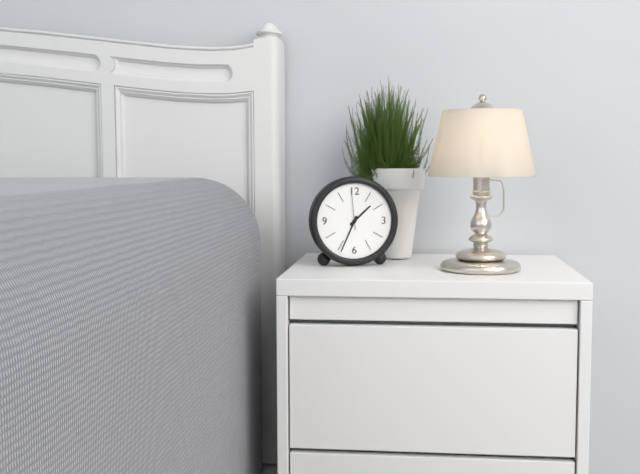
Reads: 1 h 34 min
